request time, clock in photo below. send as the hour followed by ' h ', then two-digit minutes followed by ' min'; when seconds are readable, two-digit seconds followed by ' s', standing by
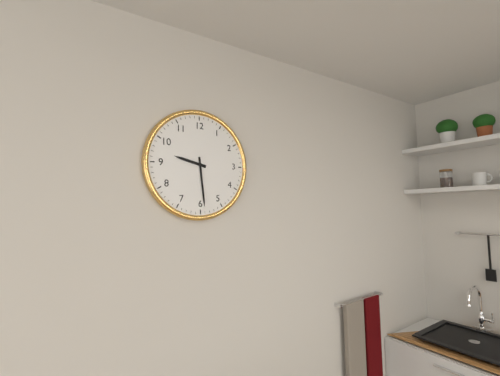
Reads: 9 h 29 min
